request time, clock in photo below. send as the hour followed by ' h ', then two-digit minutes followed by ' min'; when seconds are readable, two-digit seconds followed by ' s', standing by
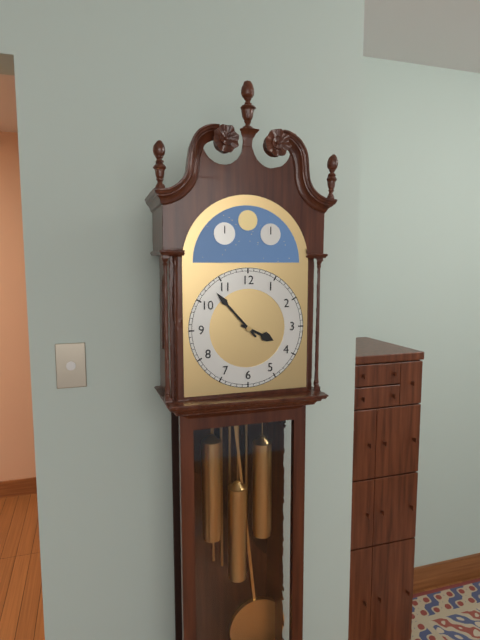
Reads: 3 h 53 min
